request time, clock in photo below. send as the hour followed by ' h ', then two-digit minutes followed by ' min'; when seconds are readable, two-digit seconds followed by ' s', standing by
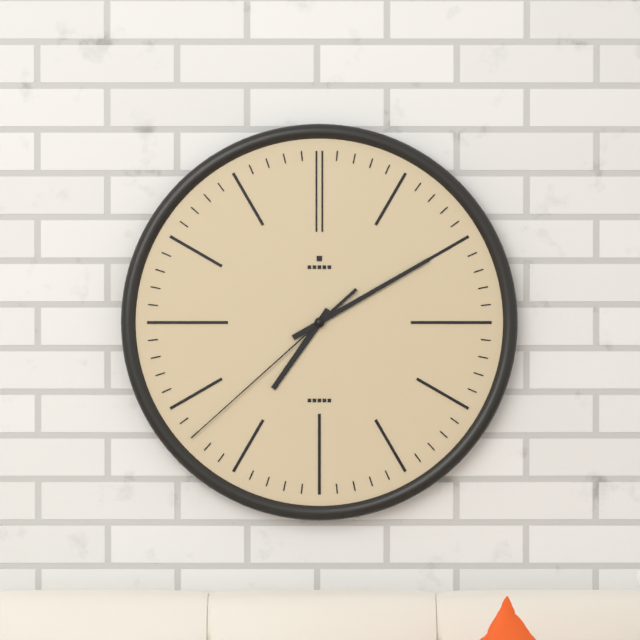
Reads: 7 h 10 min 38 s
